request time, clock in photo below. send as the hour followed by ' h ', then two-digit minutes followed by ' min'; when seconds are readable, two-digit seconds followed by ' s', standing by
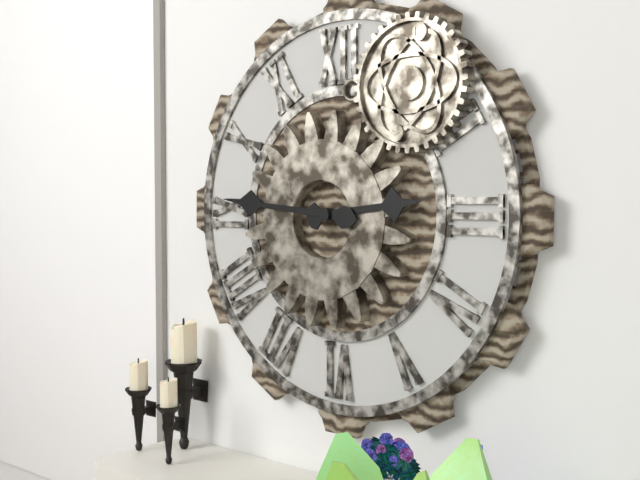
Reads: 2 h 46 min
